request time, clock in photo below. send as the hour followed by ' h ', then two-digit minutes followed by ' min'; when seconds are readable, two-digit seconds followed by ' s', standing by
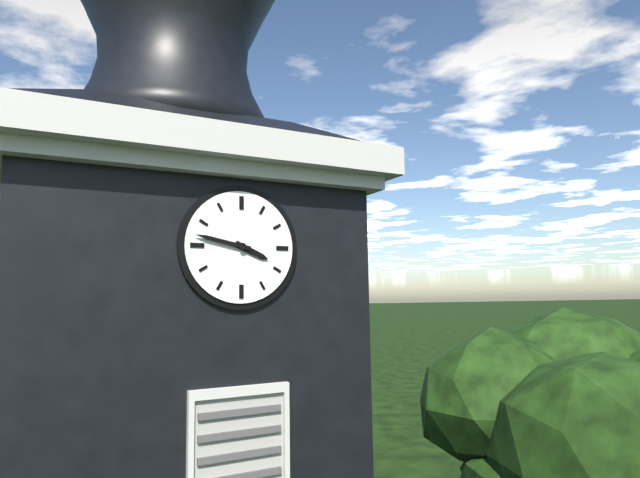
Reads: 3 h 47 min
